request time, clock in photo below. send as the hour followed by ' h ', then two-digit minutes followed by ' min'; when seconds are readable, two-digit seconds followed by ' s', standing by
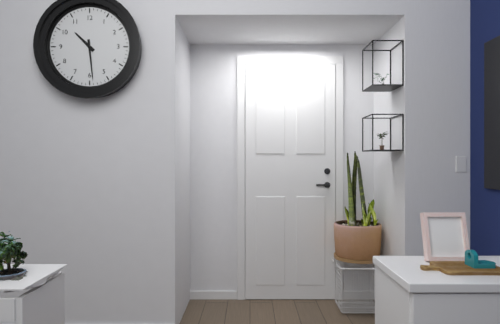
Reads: 10 h 29 min
